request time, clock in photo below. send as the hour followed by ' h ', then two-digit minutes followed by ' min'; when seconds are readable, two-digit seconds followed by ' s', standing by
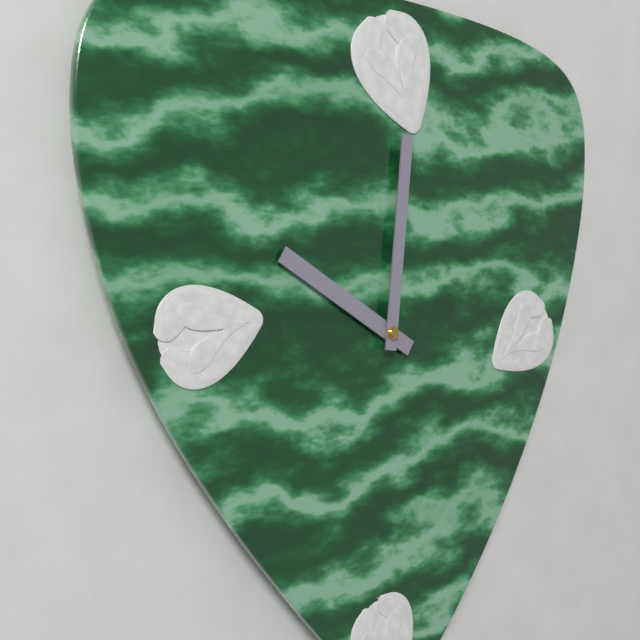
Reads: 10 h 01 min
